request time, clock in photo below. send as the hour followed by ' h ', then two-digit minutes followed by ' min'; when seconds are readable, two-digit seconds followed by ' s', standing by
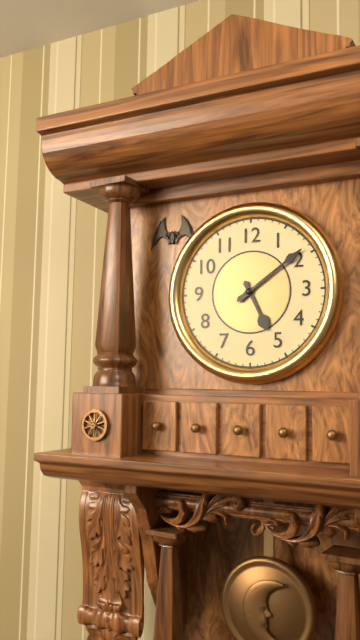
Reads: 5 h 09 min
